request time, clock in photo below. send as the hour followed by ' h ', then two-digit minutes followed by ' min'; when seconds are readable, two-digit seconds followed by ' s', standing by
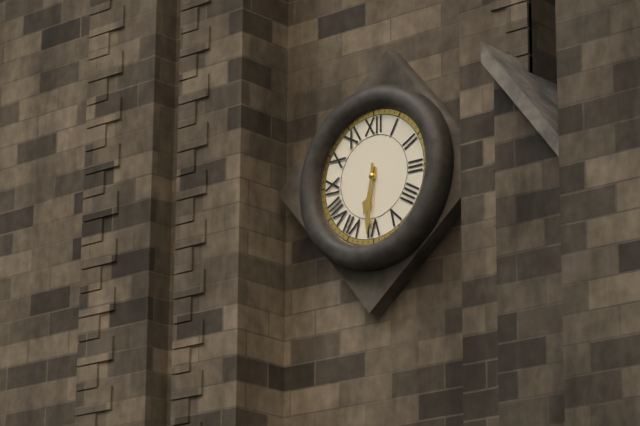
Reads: 6 h 31 min
